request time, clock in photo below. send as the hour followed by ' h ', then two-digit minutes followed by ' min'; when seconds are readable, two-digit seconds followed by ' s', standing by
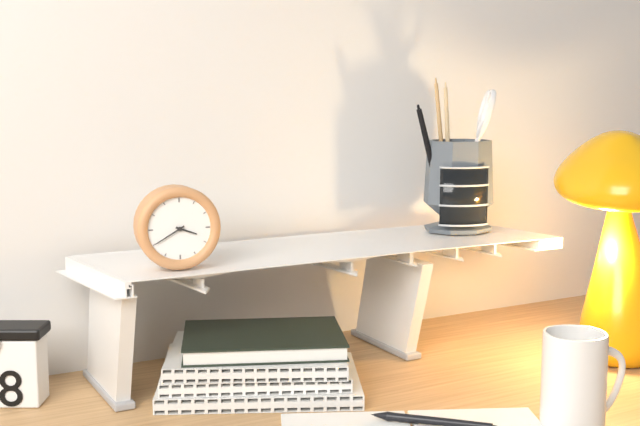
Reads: 3 h 40 min
